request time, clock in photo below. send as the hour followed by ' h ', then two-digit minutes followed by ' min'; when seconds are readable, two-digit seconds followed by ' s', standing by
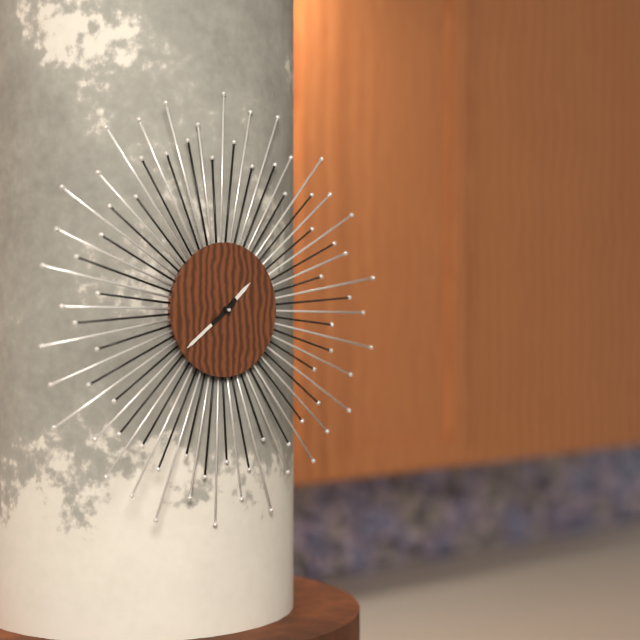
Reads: 1 h 39 min
